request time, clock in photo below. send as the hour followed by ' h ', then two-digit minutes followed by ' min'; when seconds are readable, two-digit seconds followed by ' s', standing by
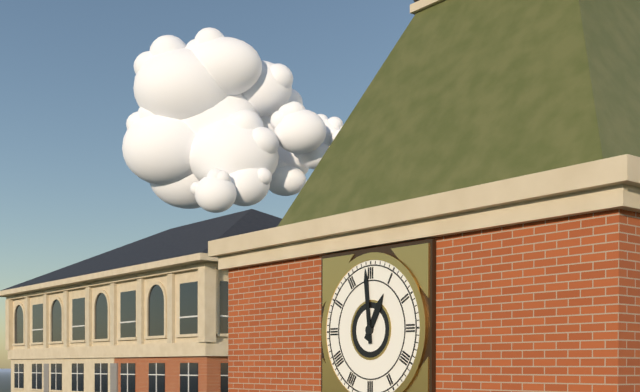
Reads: 12 h 59 min
